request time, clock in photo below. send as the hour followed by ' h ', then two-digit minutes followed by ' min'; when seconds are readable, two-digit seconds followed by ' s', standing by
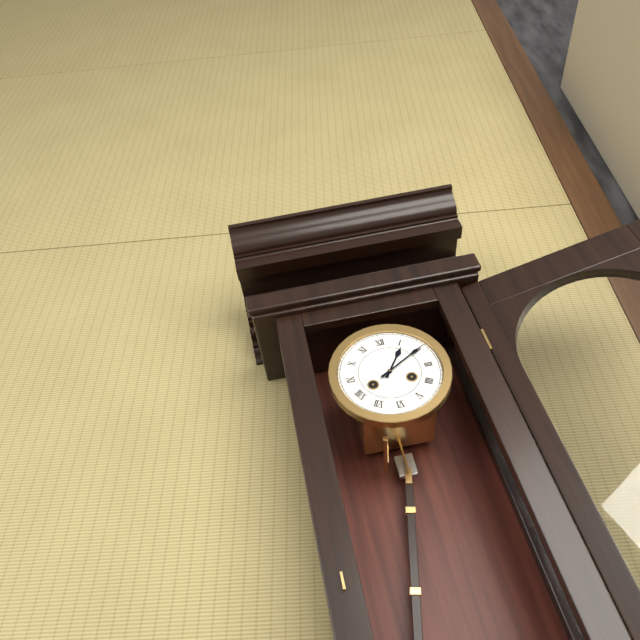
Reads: 1 h 10 min
